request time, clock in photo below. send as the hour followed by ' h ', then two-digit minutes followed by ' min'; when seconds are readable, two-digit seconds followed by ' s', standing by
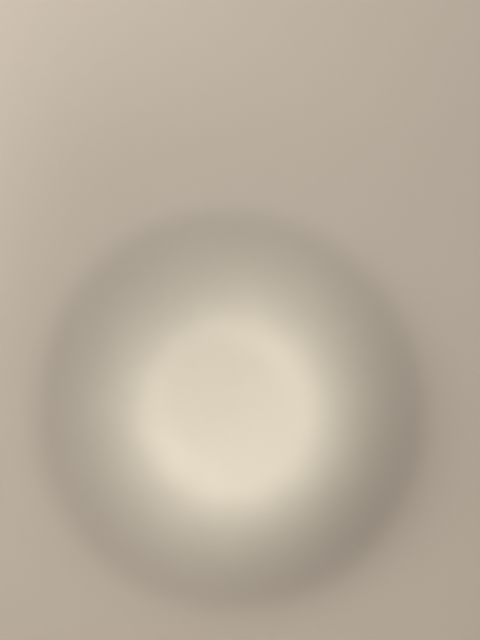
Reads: 9 h 55 min
